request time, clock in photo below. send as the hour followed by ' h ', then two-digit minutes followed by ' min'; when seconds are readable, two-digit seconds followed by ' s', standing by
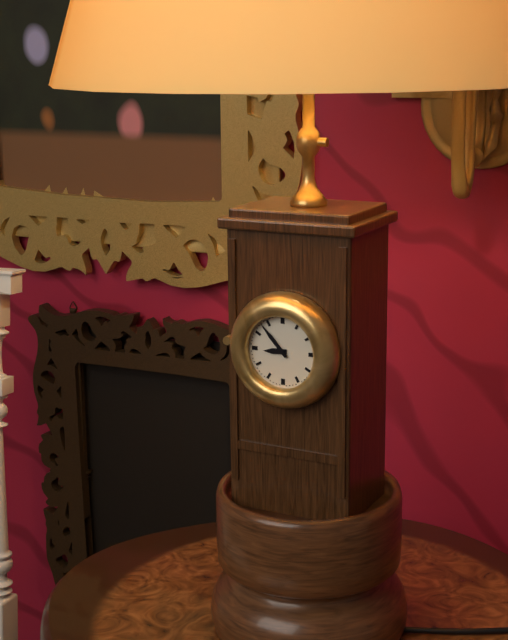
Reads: 8 h 53 min
